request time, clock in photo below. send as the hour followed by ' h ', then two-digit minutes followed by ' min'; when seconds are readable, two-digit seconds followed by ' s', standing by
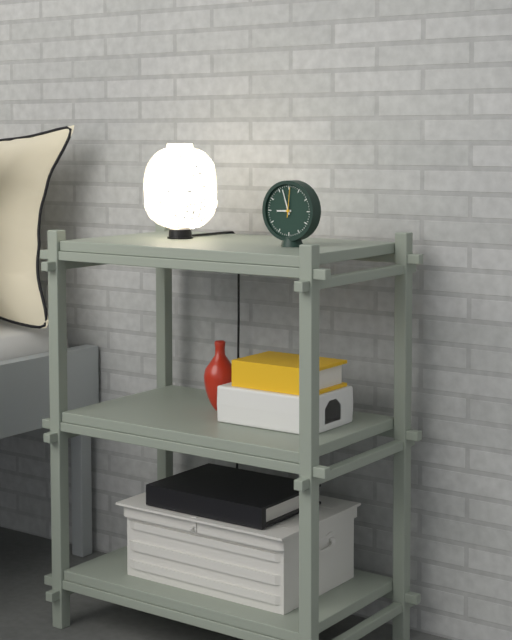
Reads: 8 h 57 min
